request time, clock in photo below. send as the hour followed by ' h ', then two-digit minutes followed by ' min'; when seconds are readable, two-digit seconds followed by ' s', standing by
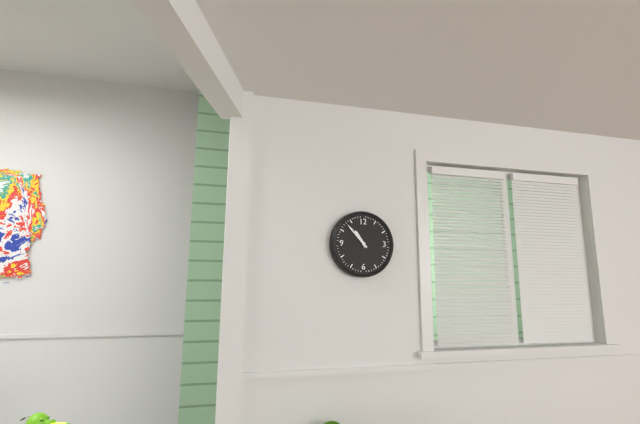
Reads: 10 h 53 min
